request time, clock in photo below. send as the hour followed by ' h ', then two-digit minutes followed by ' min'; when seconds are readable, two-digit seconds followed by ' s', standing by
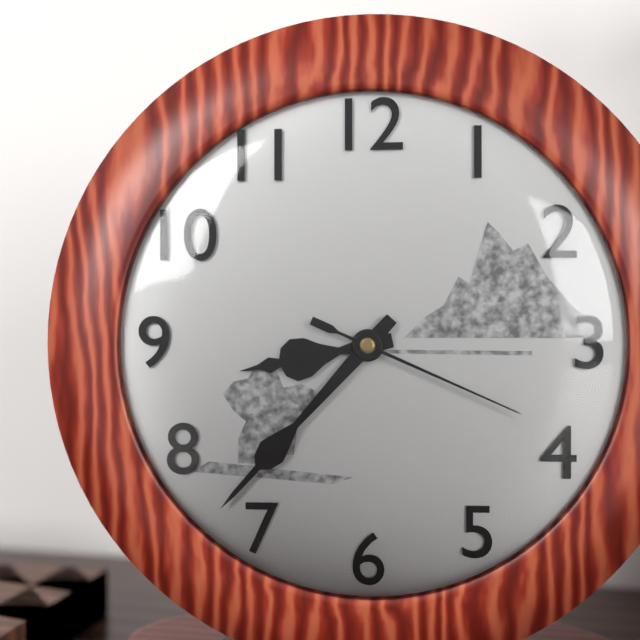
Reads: 8 h 37 min 19 s
